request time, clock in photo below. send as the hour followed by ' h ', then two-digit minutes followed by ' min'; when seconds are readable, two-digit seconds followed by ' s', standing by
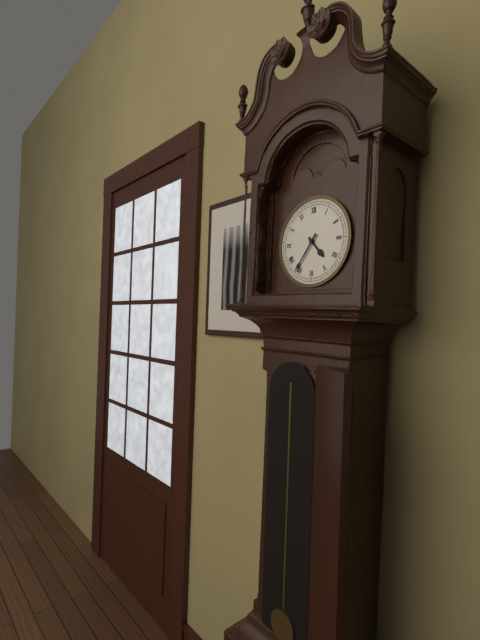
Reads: 4 h 36 min
